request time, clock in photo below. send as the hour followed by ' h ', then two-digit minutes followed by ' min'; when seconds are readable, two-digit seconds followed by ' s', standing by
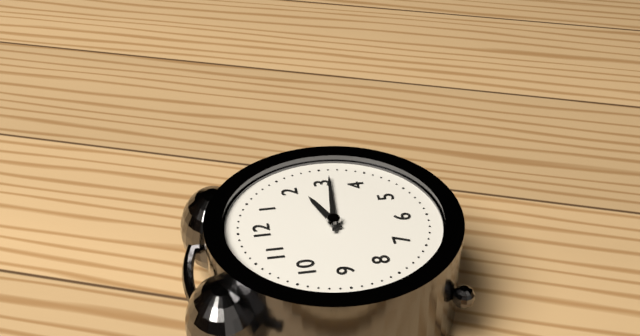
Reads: 2 h 16 min
